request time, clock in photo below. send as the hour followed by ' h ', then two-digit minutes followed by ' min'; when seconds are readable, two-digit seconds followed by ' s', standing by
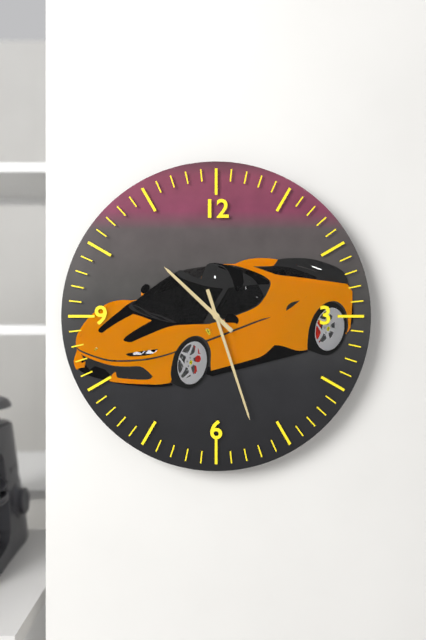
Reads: 10 h 27 min
